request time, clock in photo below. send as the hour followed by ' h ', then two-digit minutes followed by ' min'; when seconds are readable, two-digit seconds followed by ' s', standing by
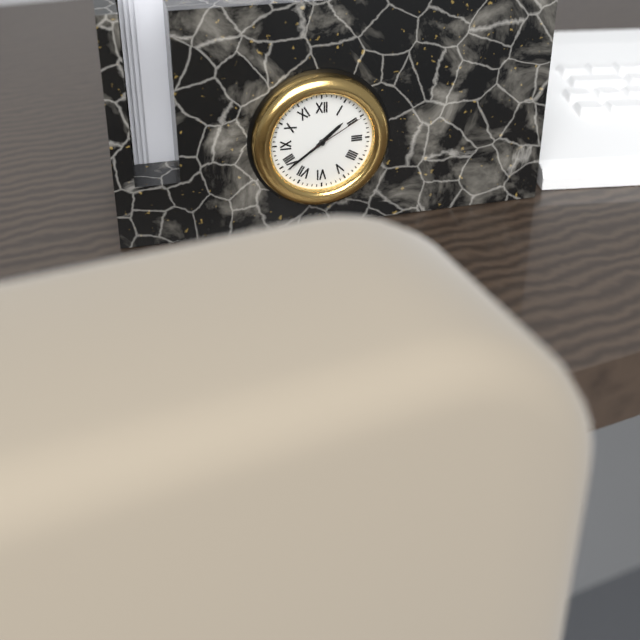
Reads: 1 h 39 min 10 s
